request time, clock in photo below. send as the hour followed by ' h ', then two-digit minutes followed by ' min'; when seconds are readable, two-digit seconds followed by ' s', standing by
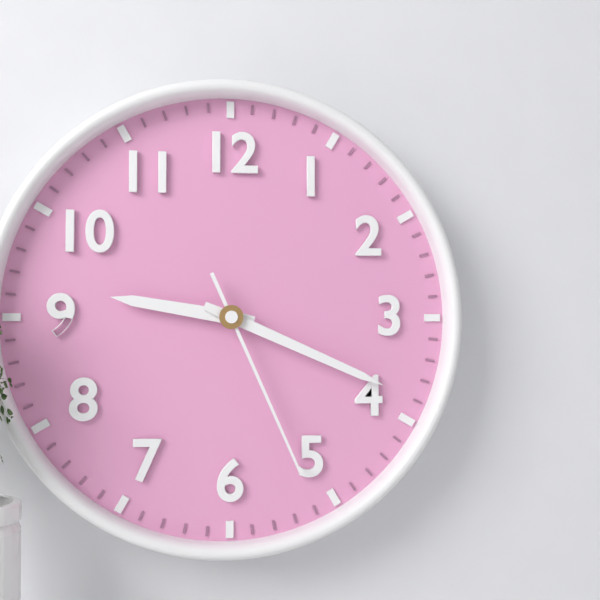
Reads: 9 h 19 min 26 s
